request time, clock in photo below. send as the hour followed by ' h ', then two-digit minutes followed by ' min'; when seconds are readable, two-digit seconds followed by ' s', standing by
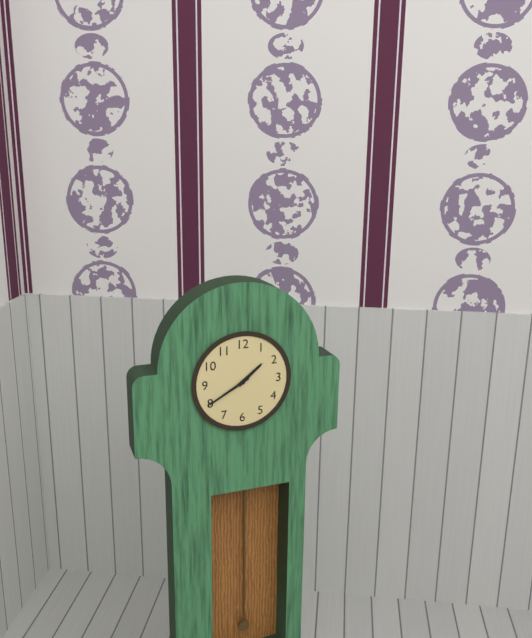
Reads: 1 h 40 min
